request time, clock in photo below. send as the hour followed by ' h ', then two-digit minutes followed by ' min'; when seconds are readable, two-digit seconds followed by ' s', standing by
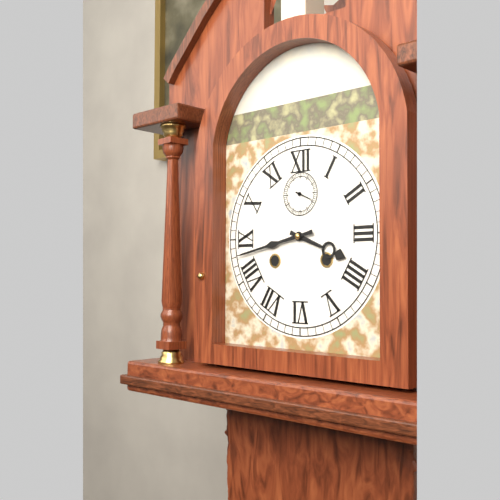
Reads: 3 h 43 min
